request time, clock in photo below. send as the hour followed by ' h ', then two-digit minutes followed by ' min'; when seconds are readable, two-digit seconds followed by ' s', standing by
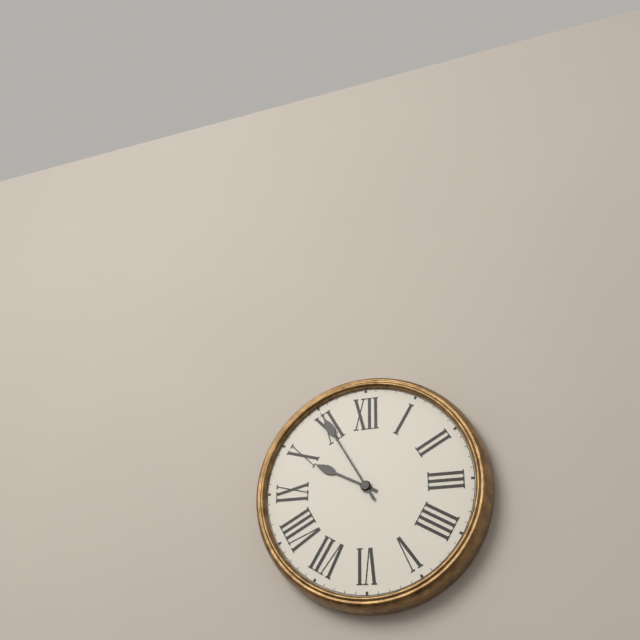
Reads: 9 h 55 min
